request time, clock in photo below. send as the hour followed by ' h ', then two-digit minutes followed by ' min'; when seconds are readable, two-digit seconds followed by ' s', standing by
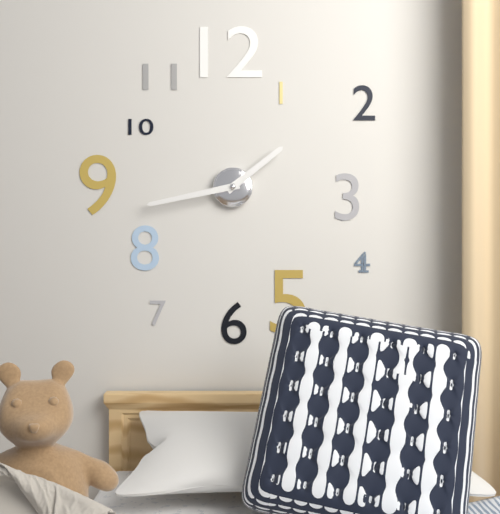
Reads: 1 h 43 min
